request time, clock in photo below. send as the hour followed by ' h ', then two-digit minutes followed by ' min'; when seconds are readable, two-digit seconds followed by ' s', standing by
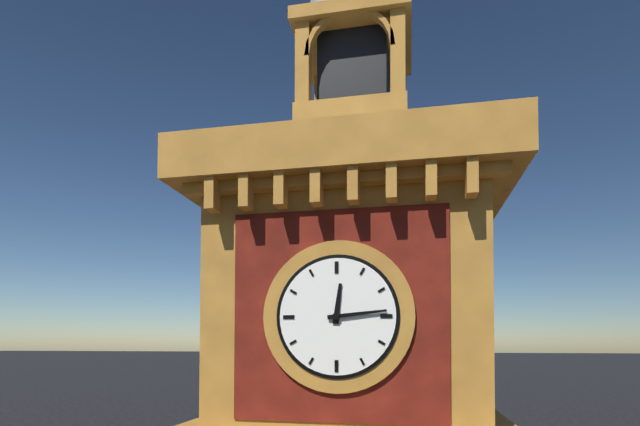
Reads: 12 h 14 min
